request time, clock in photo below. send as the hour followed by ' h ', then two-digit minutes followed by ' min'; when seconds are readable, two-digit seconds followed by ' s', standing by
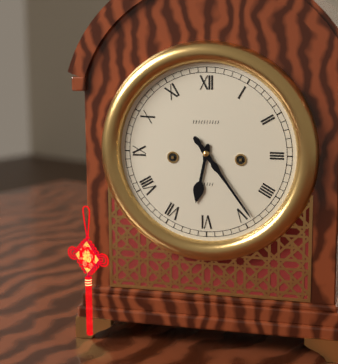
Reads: 6 h 24 min
